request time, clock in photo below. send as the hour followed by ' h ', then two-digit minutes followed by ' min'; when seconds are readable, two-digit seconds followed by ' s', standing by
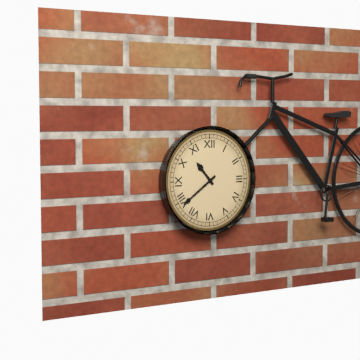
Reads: 10 h 39 min
